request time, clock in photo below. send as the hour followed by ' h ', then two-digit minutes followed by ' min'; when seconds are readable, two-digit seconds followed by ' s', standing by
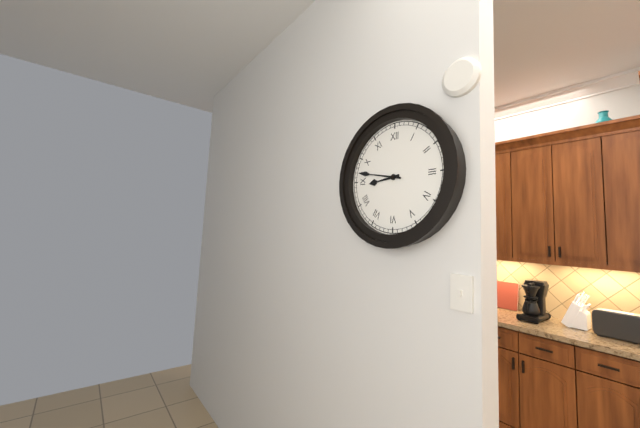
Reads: 8 h 47 min
